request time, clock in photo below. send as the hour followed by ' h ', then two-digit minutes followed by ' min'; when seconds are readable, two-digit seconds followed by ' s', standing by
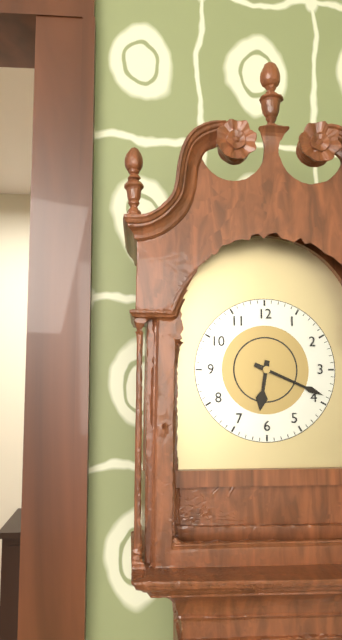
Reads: 6 h 19 min
